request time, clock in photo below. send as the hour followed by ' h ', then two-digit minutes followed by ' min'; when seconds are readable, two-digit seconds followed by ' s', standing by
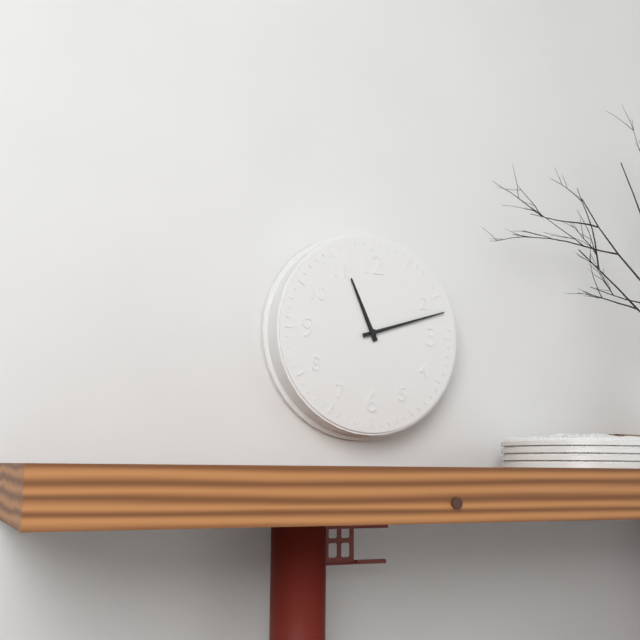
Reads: 11 h 12 min
